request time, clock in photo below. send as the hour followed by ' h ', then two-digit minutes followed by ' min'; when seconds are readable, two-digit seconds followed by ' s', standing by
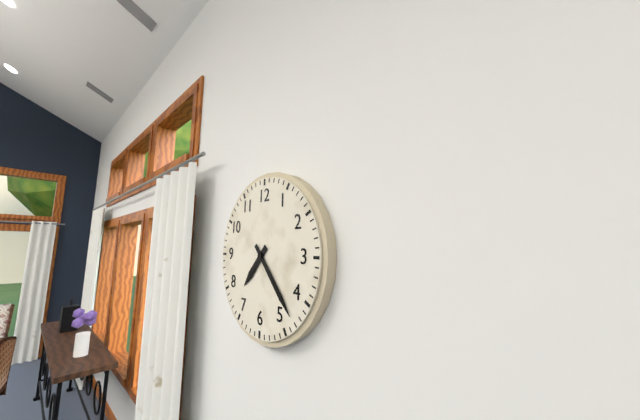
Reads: 7 h 23 min
